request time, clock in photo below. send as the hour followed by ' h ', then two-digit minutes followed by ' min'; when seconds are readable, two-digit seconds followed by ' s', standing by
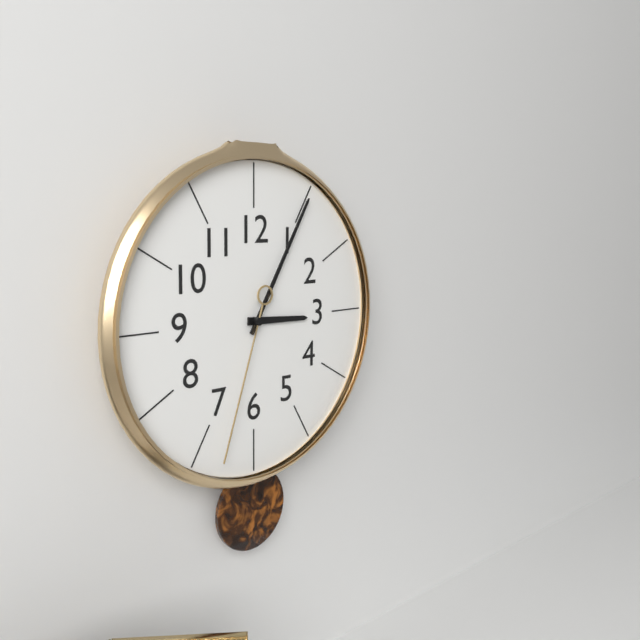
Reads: 3 h 05 min 33 s
